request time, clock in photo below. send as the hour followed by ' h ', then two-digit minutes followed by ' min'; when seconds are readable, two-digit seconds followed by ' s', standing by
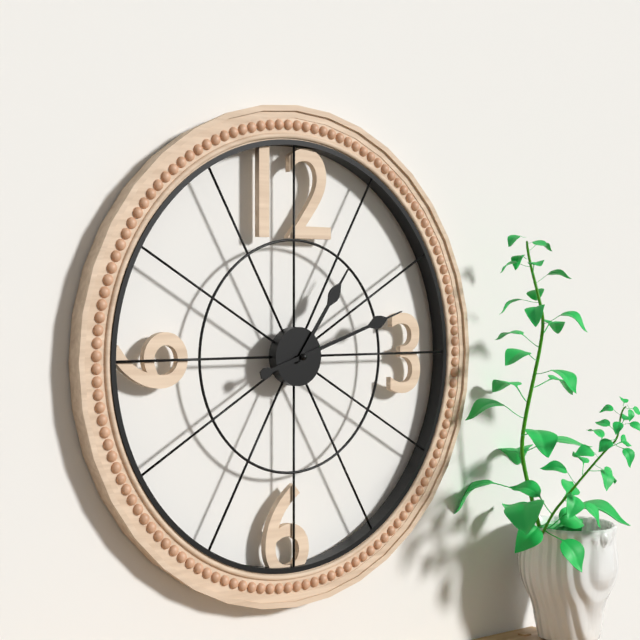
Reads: 1 h 12 min
